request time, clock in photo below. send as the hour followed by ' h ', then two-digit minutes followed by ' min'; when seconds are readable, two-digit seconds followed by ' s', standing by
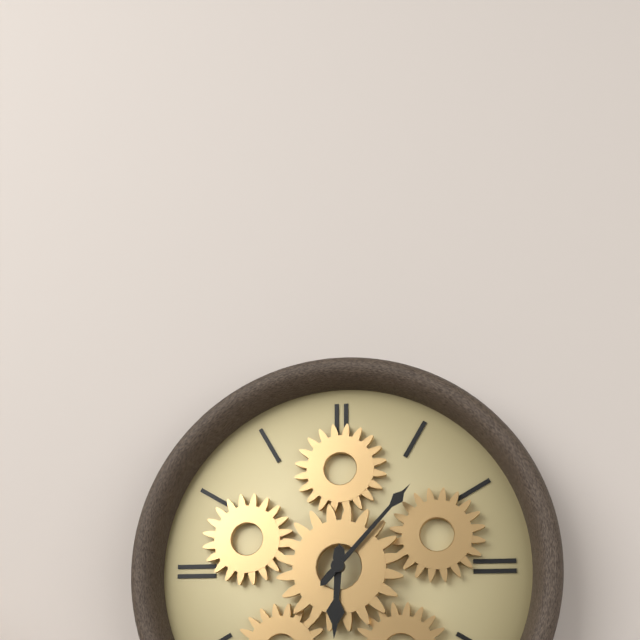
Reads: 6 h 07 min
